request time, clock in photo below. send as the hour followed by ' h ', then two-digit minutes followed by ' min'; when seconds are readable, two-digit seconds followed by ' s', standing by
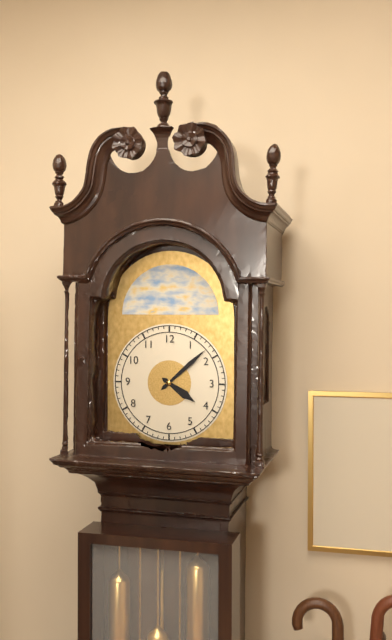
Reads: 4 h 08 min
